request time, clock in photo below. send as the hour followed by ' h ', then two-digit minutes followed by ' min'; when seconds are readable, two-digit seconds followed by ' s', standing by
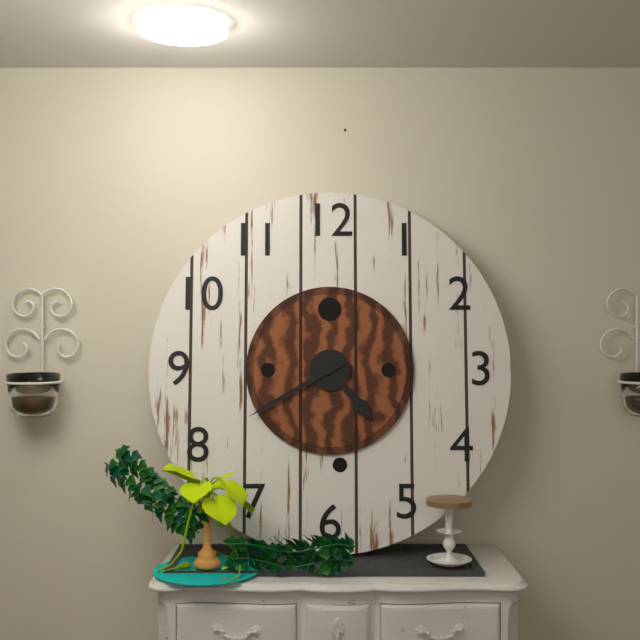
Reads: 4 h 40 min
